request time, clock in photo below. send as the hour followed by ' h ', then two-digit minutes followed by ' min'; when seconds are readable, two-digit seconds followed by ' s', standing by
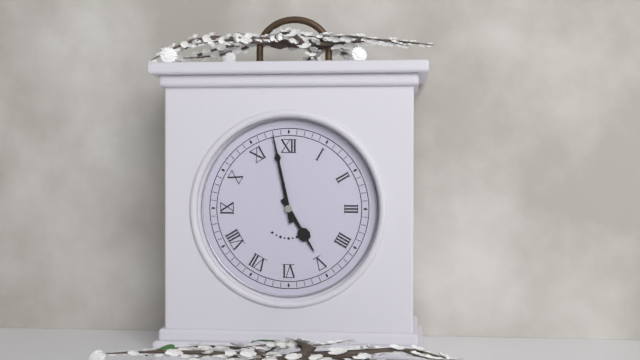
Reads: 4 h 58 min
